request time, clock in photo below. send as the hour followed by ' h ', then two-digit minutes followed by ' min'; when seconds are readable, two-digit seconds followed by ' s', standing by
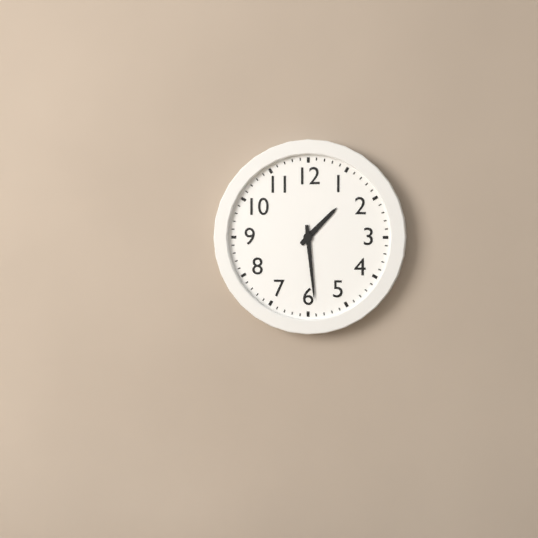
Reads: 1 h 29 min
